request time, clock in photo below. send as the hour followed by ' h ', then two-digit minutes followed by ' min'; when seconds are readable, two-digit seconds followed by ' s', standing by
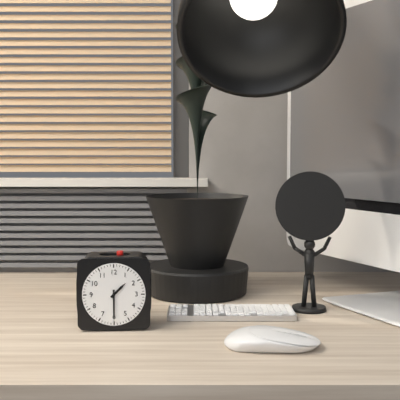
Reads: 1 h 30 min
